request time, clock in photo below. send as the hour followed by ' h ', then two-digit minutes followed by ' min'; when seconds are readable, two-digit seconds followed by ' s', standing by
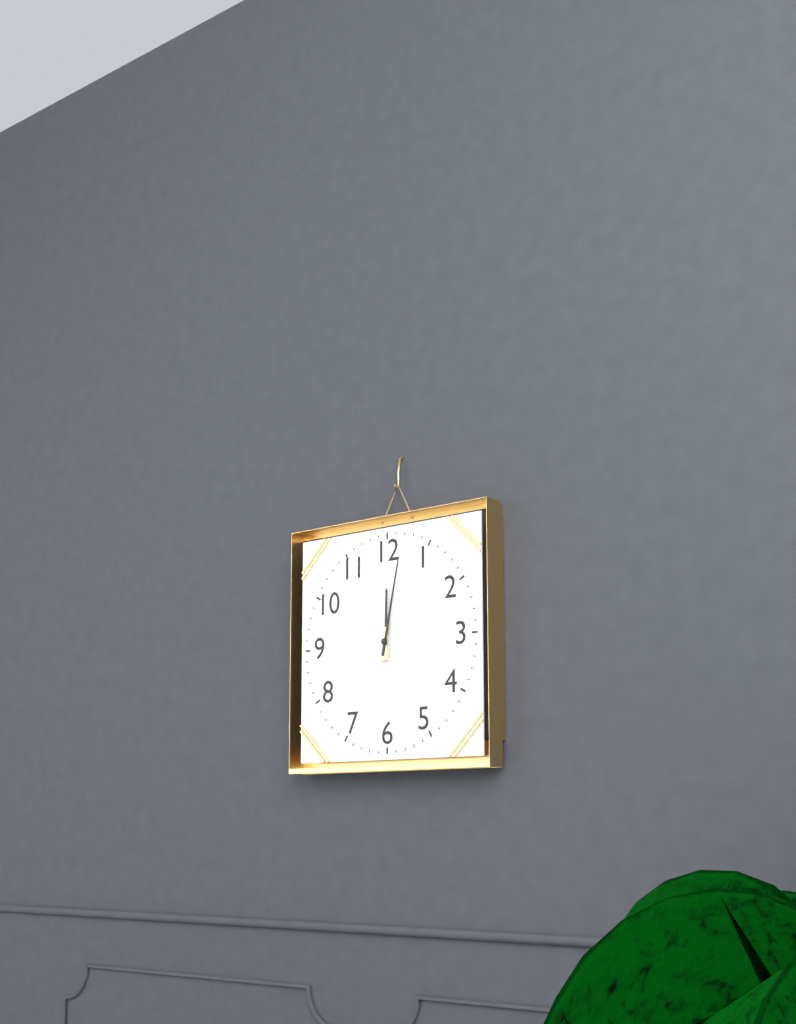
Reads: 12 h 02 min
